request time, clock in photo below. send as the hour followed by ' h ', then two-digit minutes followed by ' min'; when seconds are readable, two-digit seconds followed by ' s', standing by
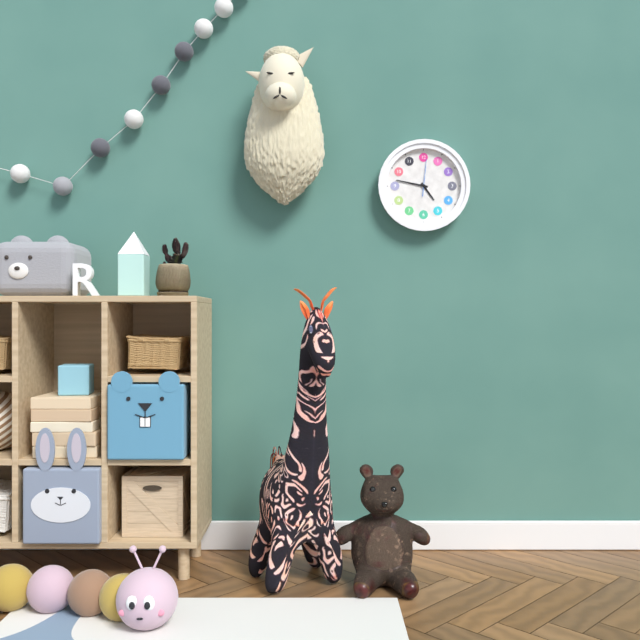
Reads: 4 h 47 min
